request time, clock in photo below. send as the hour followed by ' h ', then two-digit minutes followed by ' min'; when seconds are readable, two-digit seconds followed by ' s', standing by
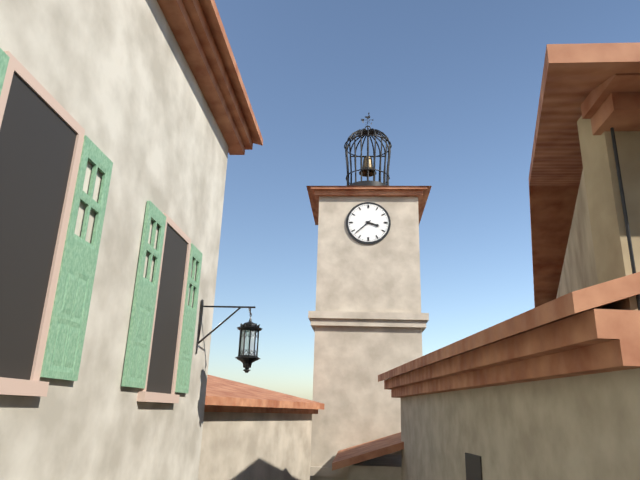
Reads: 3 h 38 min
